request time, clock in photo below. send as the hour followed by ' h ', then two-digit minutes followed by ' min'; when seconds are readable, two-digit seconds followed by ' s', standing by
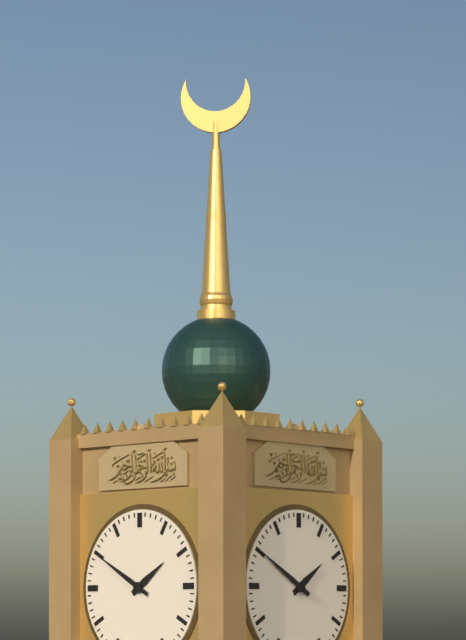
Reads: 1 h 50 min
